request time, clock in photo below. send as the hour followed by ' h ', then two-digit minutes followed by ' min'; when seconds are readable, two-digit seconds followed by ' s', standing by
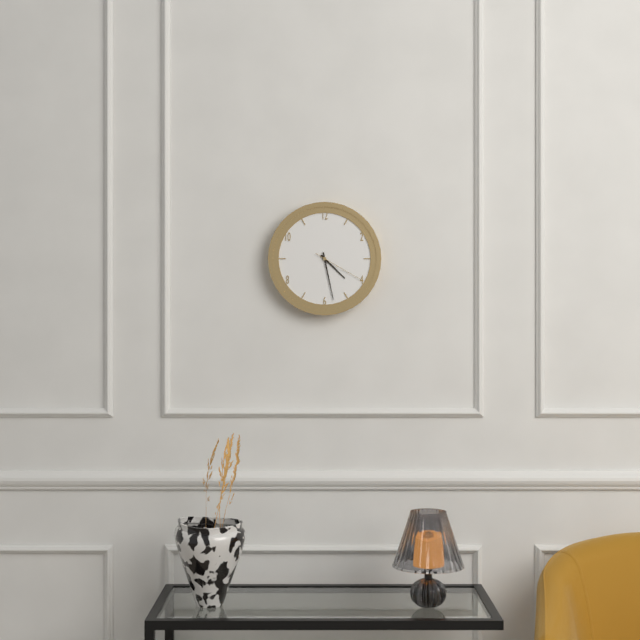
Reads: 4 h 28 min 20 s
